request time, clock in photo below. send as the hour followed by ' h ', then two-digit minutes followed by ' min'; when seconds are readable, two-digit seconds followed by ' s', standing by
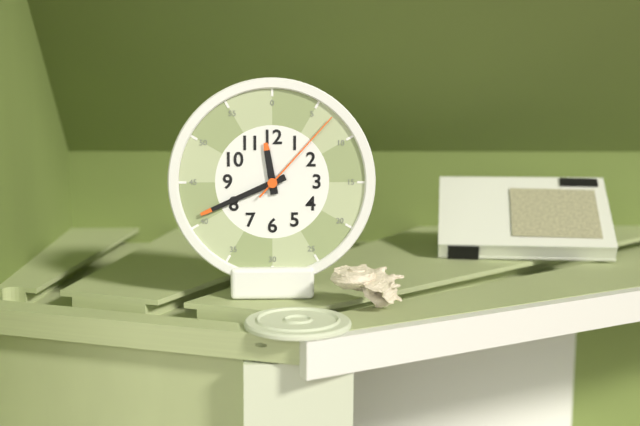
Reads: 11 h 41 min 07 s
